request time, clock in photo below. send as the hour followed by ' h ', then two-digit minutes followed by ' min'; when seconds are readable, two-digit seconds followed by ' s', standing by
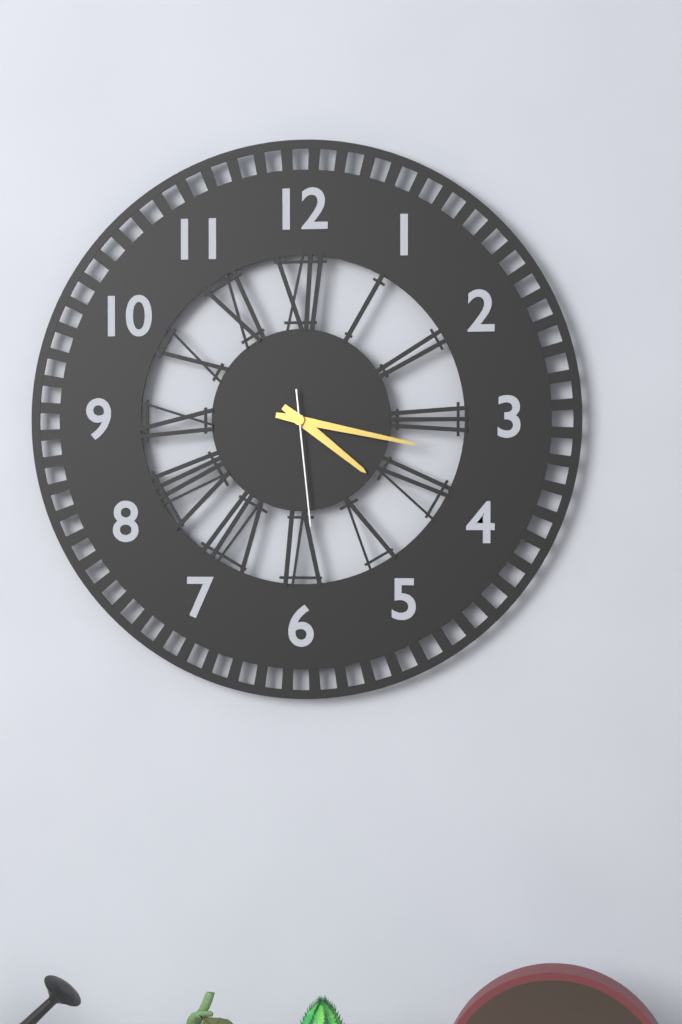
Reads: 4 h 17 min 29 s
